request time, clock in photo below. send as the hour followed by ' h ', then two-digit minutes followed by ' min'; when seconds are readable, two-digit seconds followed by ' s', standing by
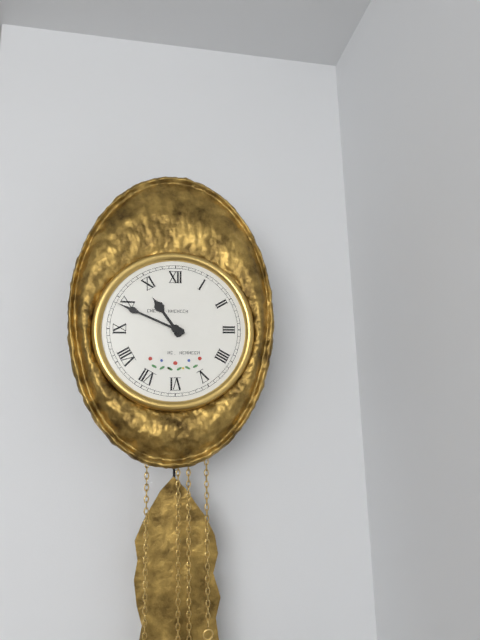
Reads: 10 h 49 min
